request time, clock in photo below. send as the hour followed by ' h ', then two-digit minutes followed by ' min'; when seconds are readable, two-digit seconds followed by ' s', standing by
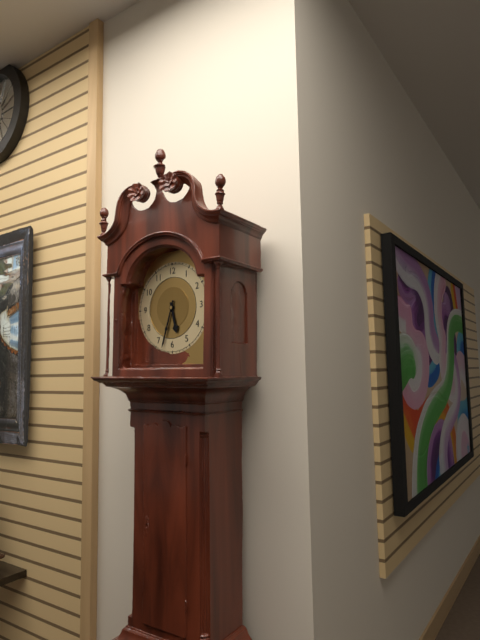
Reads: 5 h 33 min
